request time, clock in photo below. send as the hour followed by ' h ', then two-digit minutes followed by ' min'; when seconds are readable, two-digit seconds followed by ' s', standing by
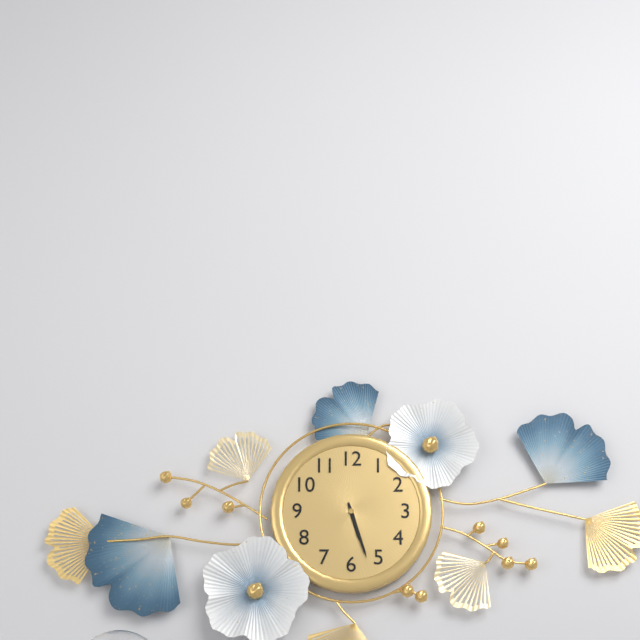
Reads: 5 h 27 min
